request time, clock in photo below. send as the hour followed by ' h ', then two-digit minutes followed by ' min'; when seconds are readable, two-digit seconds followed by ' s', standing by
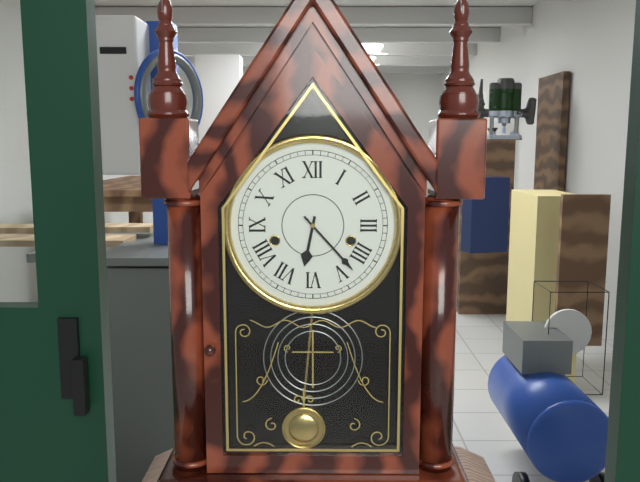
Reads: 6 h 23 min
